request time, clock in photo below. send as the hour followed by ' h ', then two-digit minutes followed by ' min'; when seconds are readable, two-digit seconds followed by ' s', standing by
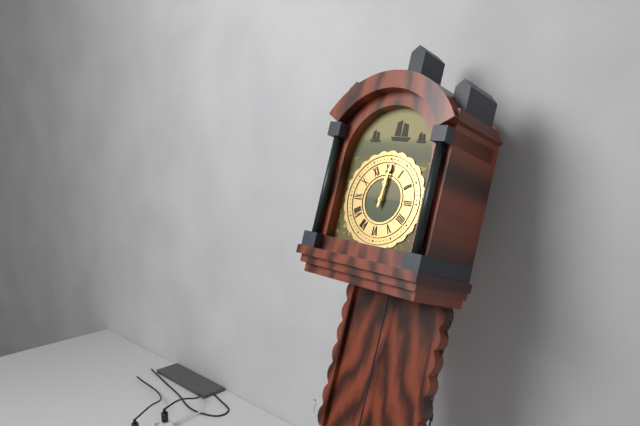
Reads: 12 h 01 min
